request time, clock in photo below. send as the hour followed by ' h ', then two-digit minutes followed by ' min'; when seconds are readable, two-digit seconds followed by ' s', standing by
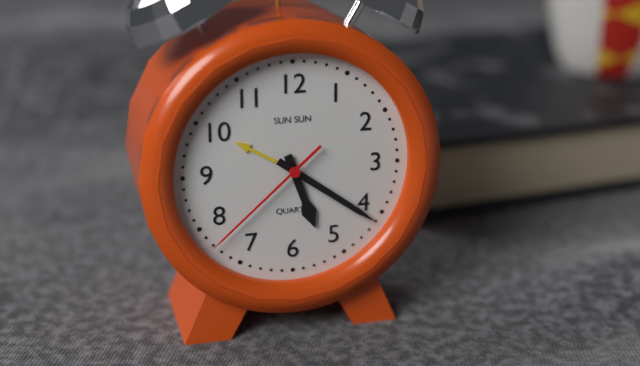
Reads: 5 h 21 min 38 s
